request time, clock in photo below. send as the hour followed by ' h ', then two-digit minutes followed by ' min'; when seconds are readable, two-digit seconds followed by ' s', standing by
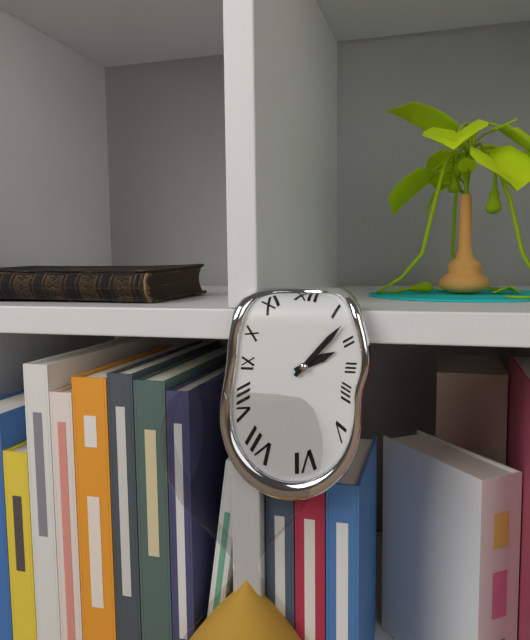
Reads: 2 h 07 min
